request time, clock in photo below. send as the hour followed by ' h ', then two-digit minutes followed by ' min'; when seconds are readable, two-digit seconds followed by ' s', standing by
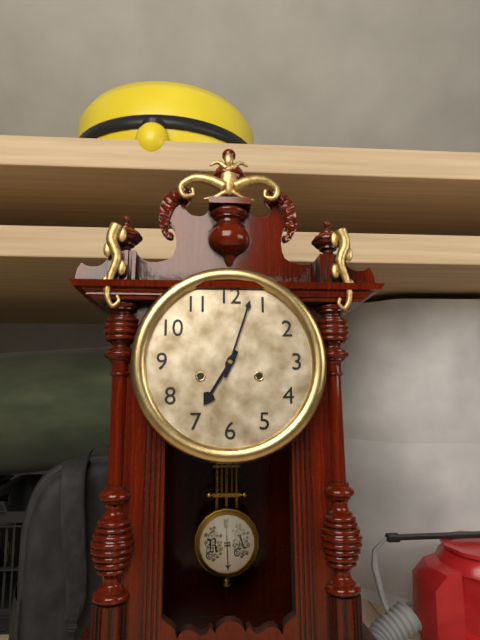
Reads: 7 h 03 min
